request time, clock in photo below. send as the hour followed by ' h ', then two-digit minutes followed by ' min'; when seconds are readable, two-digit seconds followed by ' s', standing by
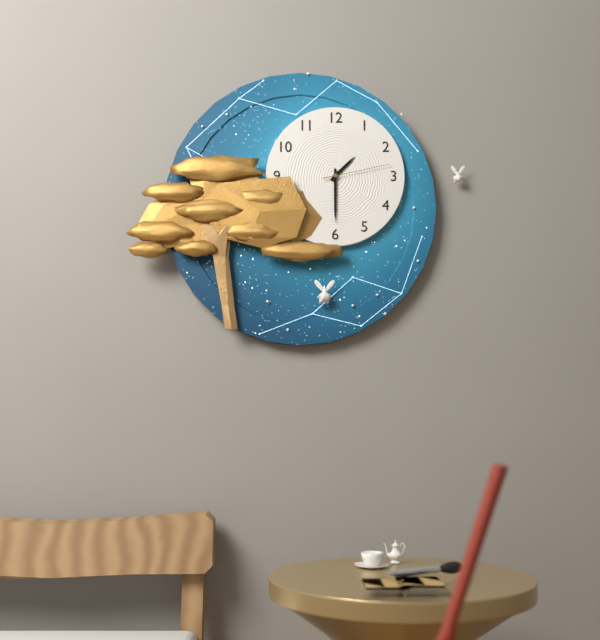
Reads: 1 h 30 min 13 s
